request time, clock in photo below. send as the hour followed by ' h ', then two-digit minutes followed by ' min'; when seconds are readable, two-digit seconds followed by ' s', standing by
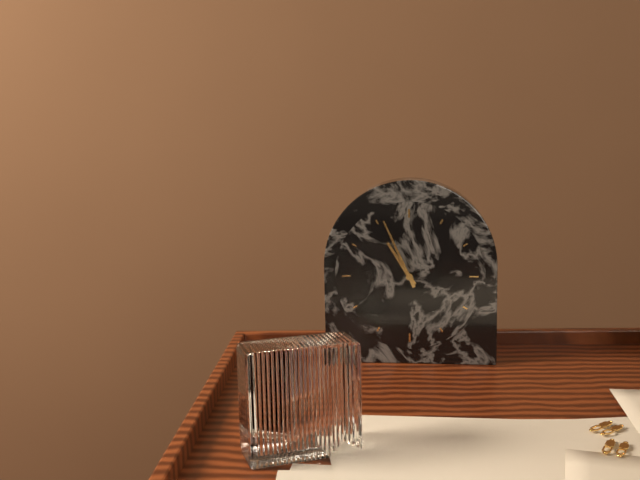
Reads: 10 h 56 min
